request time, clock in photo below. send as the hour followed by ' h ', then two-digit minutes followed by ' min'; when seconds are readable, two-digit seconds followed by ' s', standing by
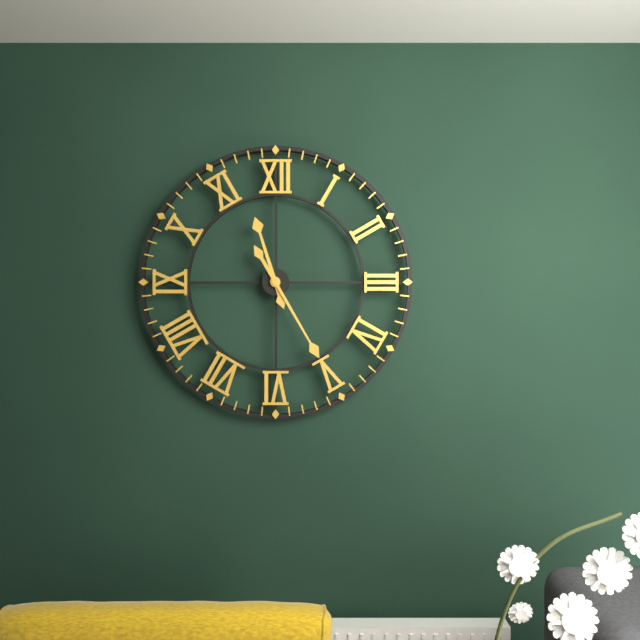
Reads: 11 h 25 min
